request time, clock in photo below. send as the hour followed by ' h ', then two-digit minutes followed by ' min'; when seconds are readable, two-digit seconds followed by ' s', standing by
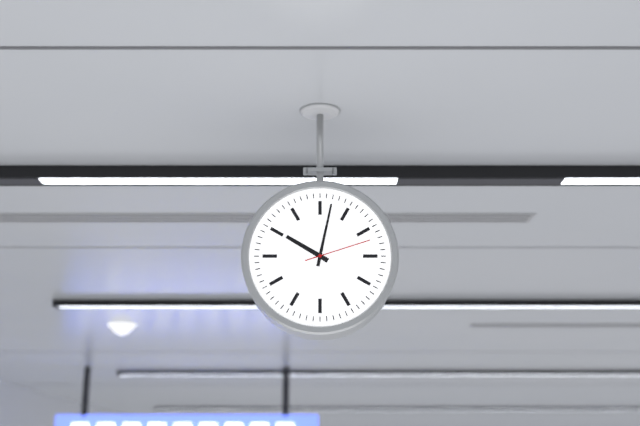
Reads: 10 h 02 min 12 s
